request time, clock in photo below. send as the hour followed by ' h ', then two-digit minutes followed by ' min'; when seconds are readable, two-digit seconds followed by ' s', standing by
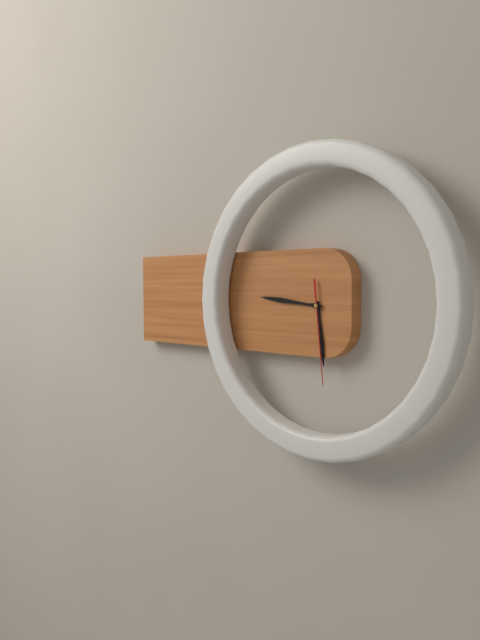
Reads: 5 h 46 min 29 s
